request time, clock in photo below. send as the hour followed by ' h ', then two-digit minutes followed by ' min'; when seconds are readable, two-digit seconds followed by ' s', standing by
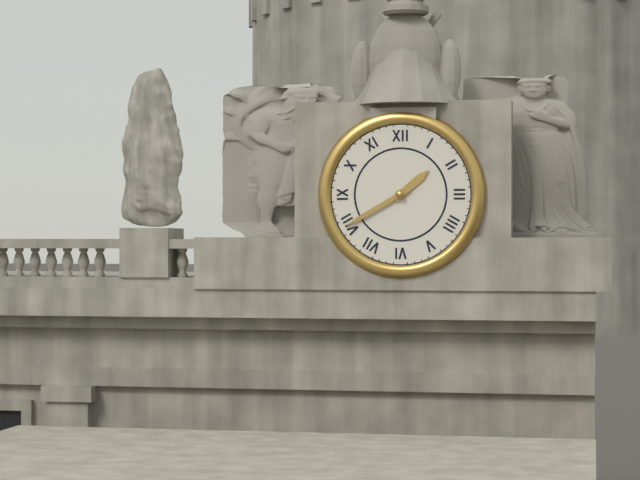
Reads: 1 h 40 min
